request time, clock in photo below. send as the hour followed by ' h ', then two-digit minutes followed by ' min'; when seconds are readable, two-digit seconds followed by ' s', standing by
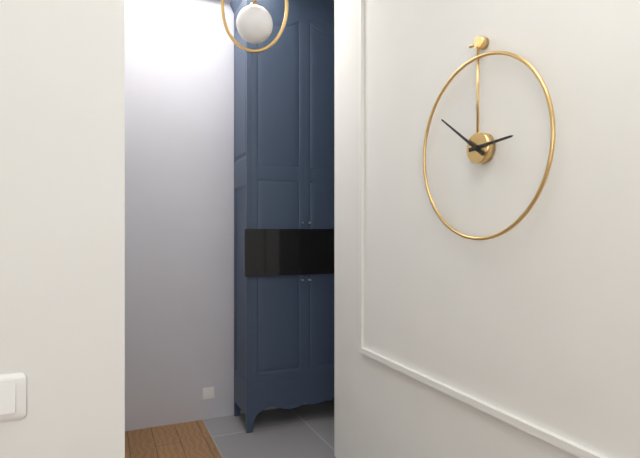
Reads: 2 h 51 min
